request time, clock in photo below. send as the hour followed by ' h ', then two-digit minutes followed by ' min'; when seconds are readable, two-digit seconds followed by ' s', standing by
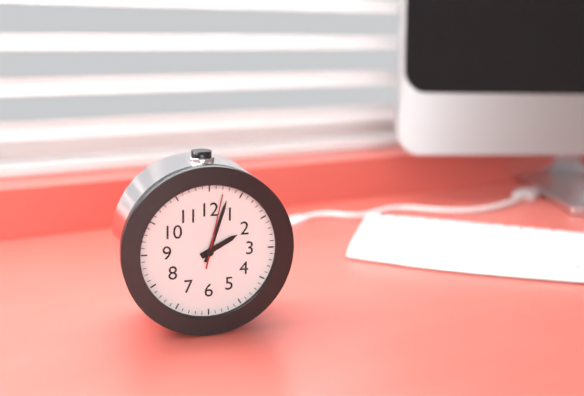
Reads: 2 h 03 min 02 s
